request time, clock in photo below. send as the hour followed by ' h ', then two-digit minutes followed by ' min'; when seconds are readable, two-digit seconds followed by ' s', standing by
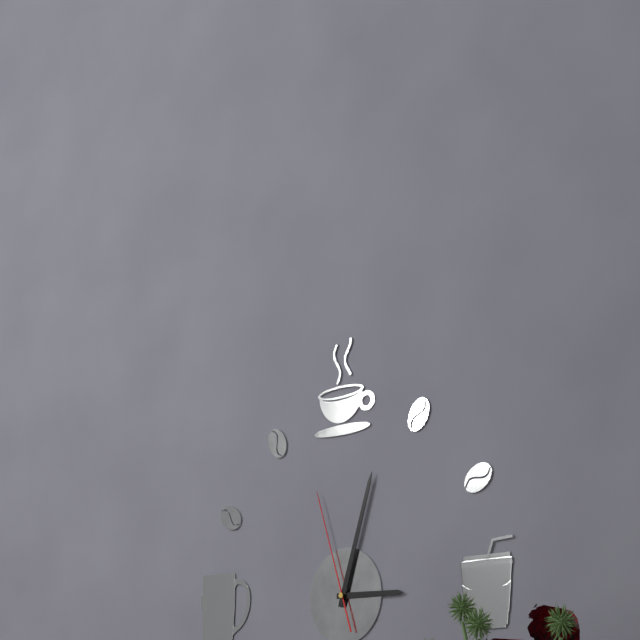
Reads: 3 h 03 min 57 s
